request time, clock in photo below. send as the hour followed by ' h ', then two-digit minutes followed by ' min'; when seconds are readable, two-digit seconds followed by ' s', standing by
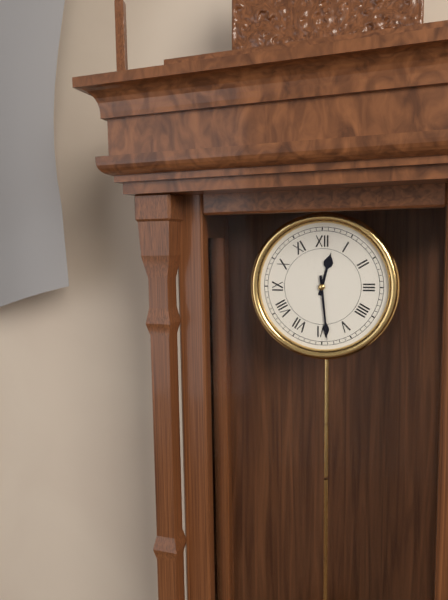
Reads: 12 h 29 min
